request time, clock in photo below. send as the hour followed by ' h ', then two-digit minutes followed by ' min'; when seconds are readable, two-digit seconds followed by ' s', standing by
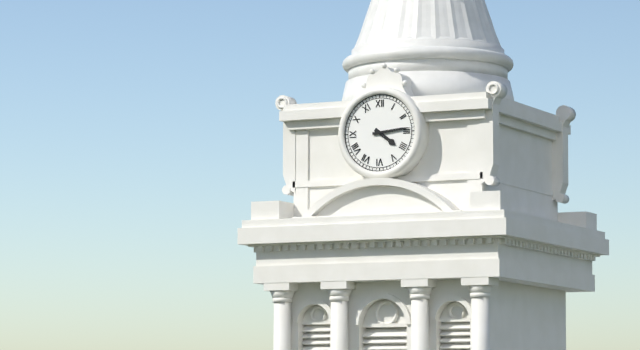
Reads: 4 h 14 min
